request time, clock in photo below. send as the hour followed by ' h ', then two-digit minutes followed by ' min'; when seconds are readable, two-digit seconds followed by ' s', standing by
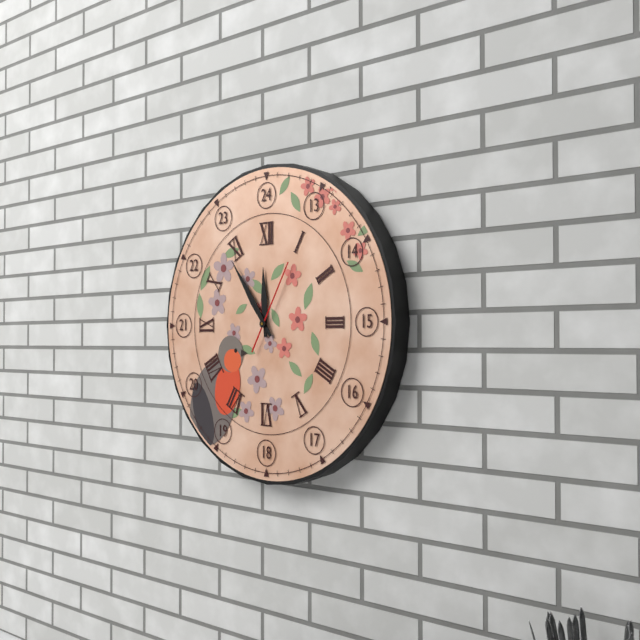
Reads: 11 h 54 min 05 s
